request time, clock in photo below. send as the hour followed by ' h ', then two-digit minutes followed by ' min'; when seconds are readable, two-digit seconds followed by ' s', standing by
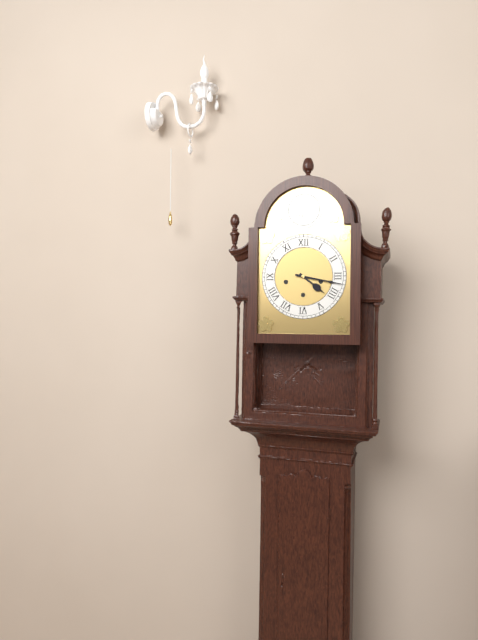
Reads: 4 h 17 min
